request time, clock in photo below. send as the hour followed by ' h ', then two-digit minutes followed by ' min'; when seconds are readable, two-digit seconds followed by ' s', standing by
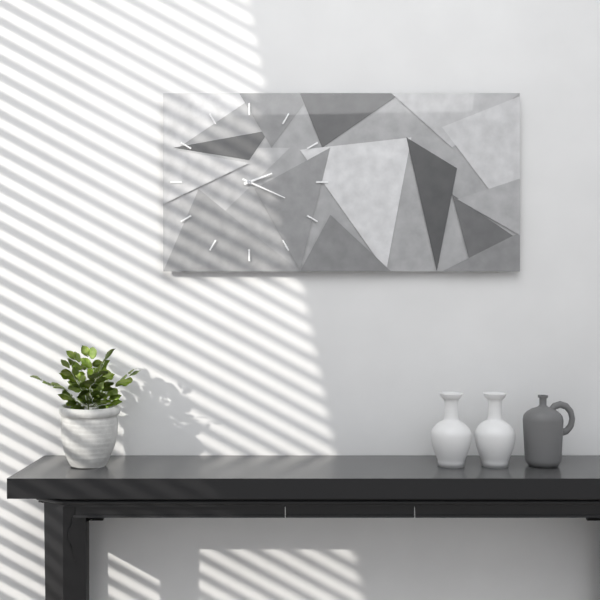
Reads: 2 h 19 min
